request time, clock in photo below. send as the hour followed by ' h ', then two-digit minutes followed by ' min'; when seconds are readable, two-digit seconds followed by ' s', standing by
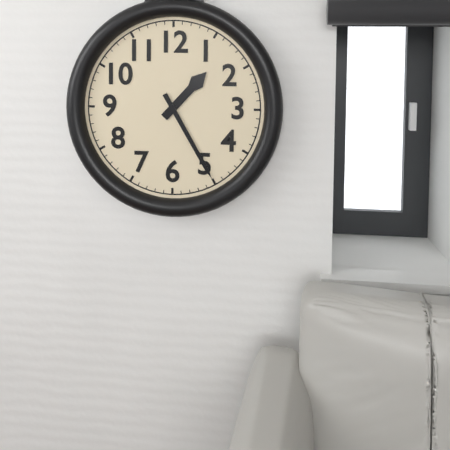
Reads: 1 h 25 min
